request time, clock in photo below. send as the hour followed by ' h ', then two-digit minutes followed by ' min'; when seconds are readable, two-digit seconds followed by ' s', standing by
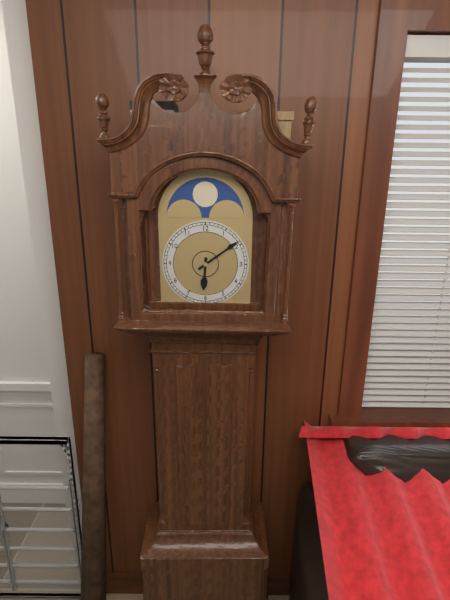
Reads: 6 h 09 min
